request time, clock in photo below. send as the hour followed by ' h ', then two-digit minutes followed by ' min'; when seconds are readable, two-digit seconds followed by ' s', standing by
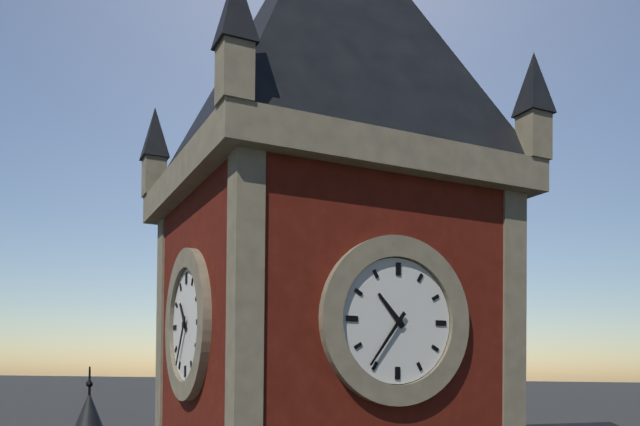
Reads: 10 h 36 min
